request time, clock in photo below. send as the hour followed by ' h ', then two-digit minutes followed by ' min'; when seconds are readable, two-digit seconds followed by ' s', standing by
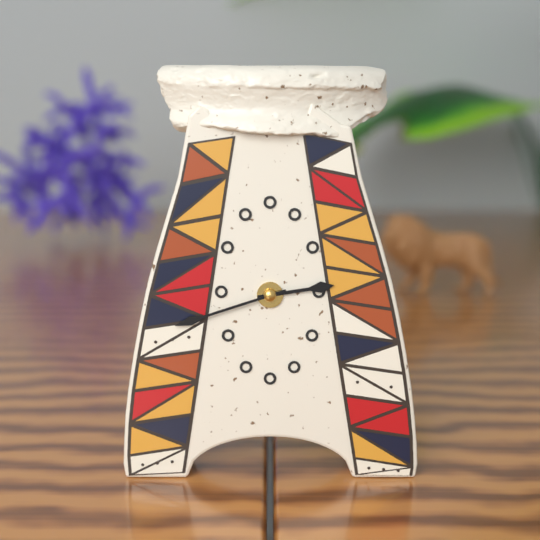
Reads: 2 h 42 min
